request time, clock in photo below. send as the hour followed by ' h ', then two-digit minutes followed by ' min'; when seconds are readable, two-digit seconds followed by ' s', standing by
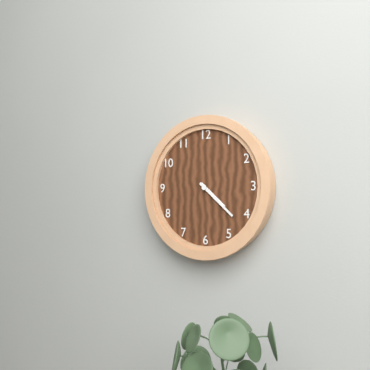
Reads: 4 h 22 min
